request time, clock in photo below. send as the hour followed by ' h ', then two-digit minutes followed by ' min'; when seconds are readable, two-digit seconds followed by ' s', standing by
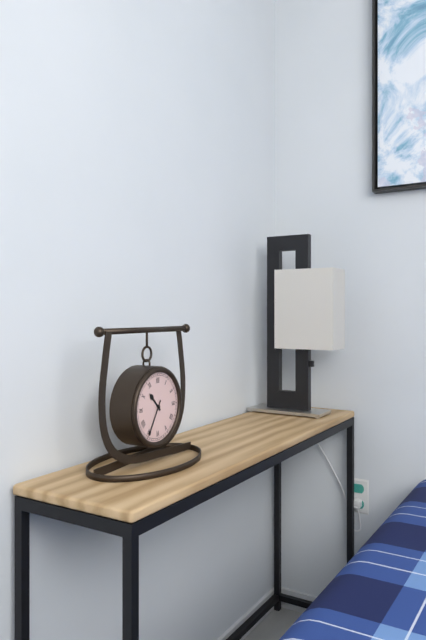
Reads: 10 h 35 min
